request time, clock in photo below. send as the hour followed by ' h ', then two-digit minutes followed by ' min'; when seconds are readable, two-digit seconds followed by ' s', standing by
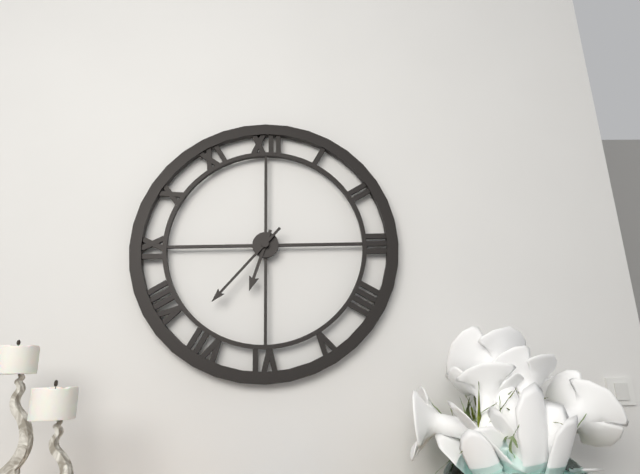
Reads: 6 h 37 min
